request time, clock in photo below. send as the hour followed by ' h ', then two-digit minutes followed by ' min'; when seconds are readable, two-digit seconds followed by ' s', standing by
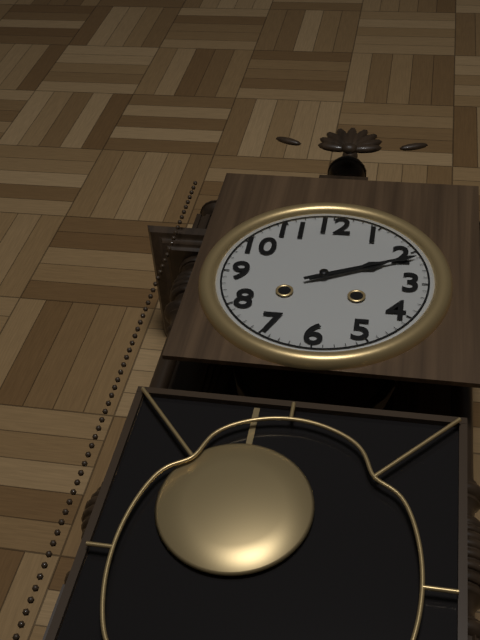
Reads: 2 h 11 min
